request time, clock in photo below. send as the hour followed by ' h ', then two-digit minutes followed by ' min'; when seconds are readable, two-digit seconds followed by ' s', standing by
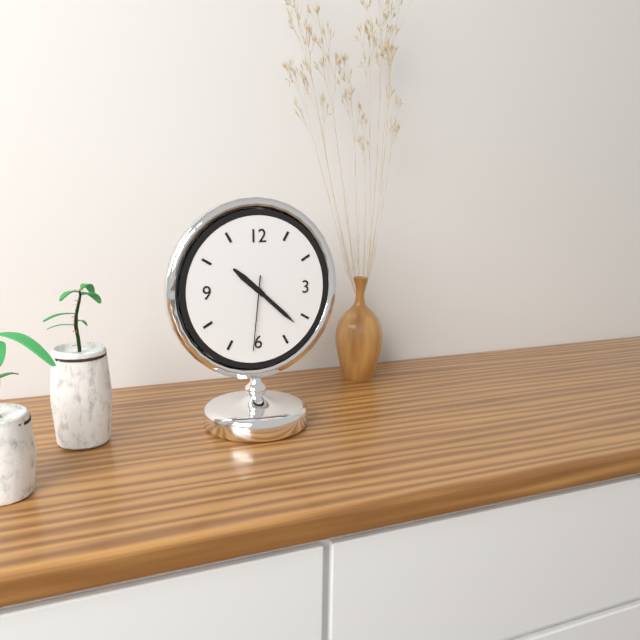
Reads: 10 h 22 min 31 s
